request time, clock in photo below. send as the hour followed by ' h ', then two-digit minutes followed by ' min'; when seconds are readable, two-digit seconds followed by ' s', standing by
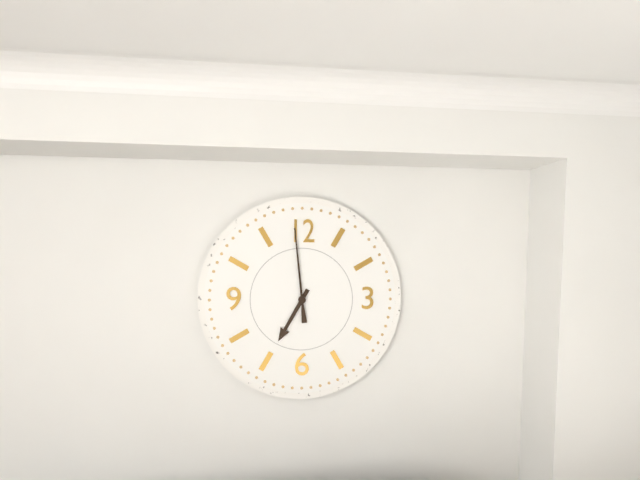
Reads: 6 h 59 min
